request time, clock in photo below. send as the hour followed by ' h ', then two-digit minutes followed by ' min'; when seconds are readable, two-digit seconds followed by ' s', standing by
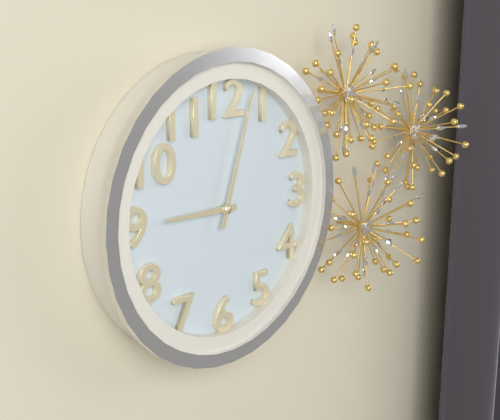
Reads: 9 h 03 min
